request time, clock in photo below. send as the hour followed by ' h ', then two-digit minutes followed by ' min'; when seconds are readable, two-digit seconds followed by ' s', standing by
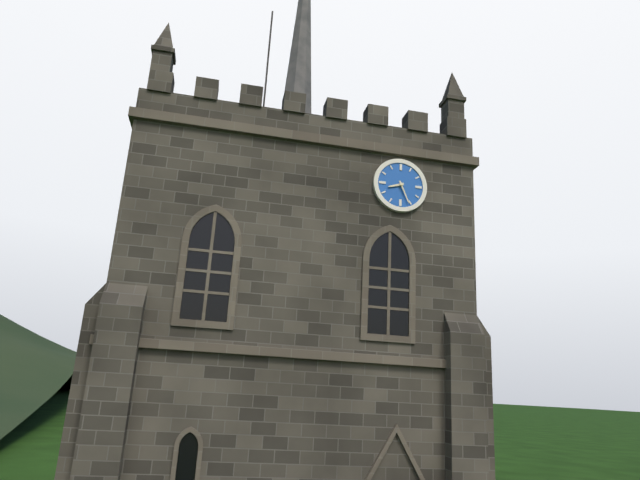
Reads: 8 h 26 min
